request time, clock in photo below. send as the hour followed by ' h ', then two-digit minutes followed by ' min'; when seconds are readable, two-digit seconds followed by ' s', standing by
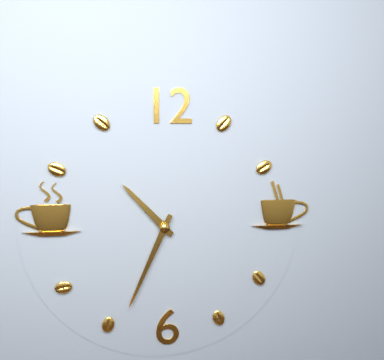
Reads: 10 h 34 min
